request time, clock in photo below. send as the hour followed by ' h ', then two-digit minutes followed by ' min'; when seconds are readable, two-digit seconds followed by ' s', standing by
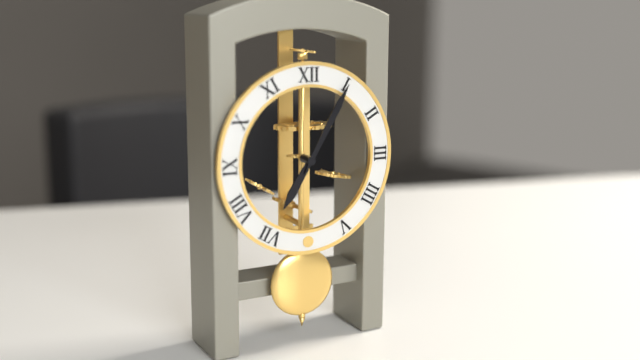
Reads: 7 h 05 min
